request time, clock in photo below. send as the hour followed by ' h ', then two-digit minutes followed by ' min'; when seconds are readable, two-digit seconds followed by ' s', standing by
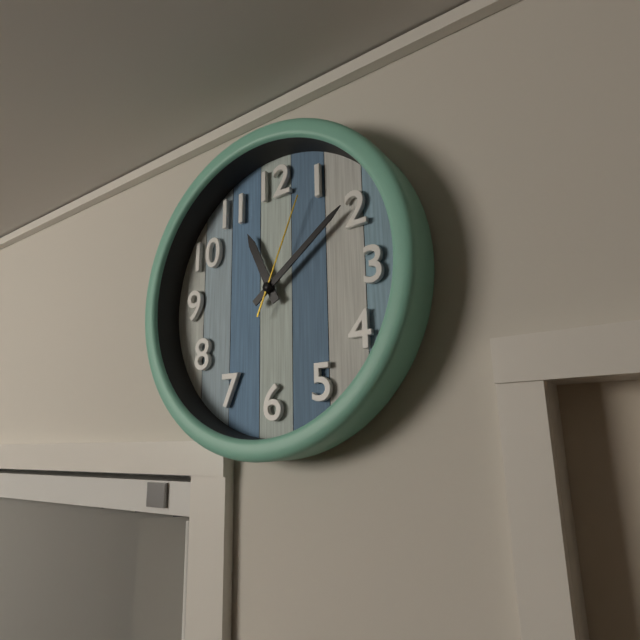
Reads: 11 h 09 min 04 s
